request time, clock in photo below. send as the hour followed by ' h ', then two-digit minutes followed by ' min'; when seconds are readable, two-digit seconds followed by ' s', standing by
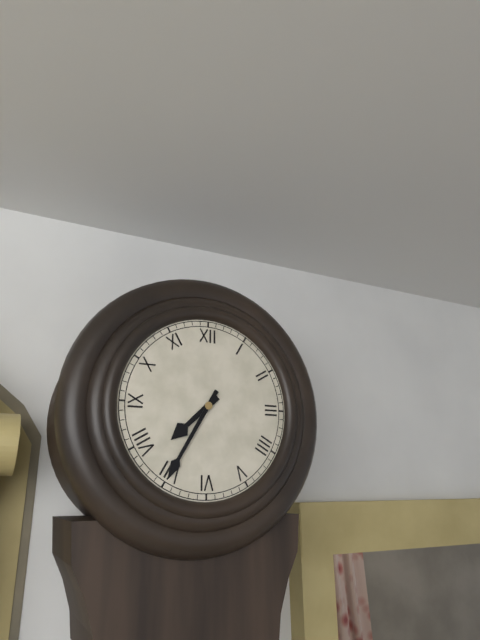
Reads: 7 h 35 min
